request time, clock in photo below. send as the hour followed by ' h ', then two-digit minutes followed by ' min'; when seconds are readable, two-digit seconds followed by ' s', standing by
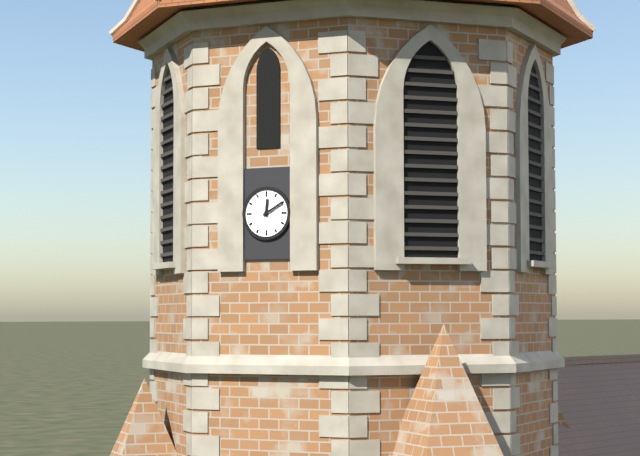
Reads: 12 h 10 min
